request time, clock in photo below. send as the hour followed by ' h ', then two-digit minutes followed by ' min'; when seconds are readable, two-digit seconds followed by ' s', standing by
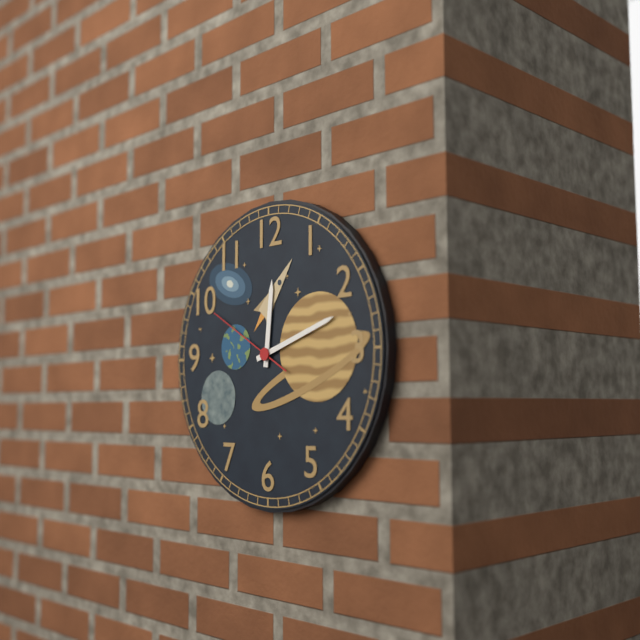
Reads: 12 h 12 min 50 s
